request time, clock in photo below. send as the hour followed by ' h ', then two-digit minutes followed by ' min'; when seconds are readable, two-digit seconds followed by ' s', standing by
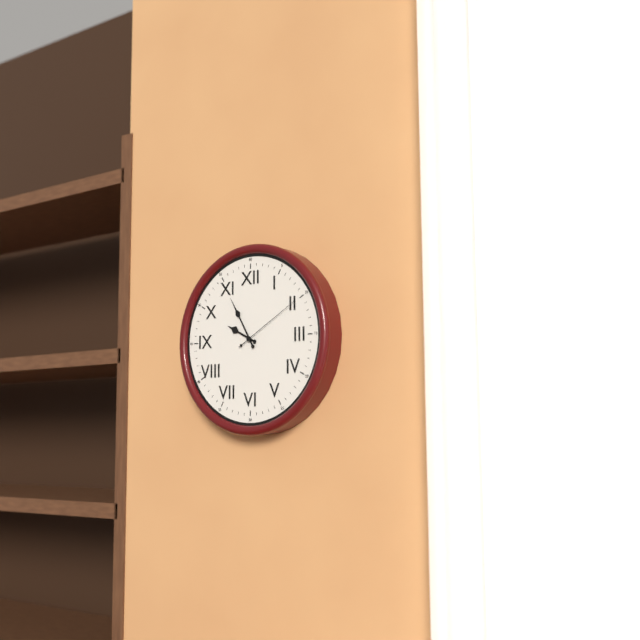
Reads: 9 h 55 min 10 s
